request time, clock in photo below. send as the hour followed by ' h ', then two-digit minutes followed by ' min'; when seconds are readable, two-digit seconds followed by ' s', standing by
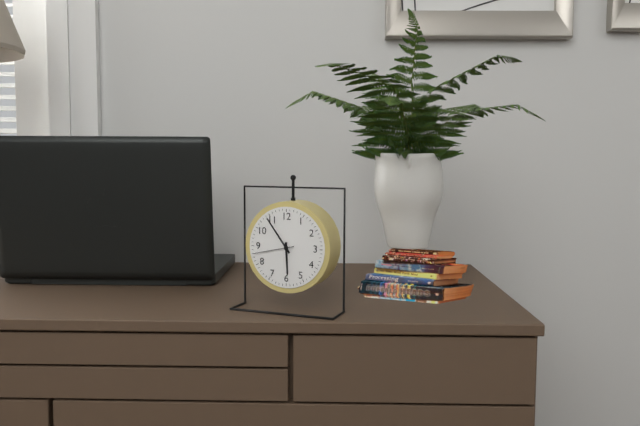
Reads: 5 h 54 min 43 s
